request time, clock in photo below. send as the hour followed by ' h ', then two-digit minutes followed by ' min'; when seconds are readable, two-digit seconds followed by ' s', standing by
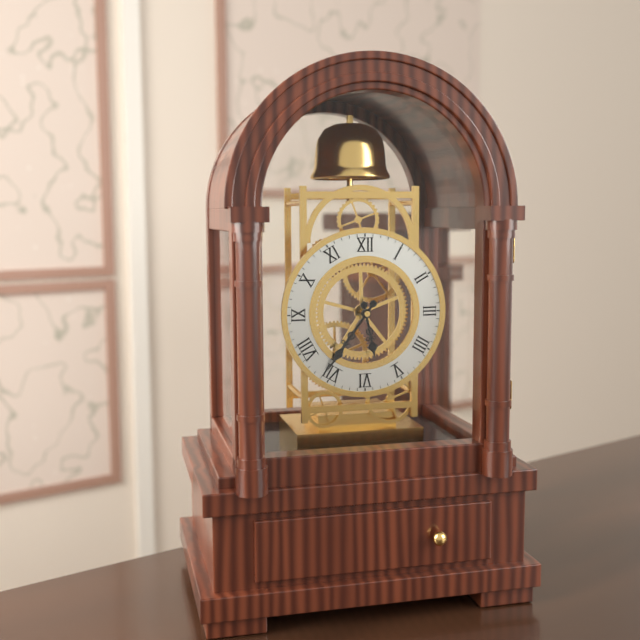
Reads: 5 h 36 min
